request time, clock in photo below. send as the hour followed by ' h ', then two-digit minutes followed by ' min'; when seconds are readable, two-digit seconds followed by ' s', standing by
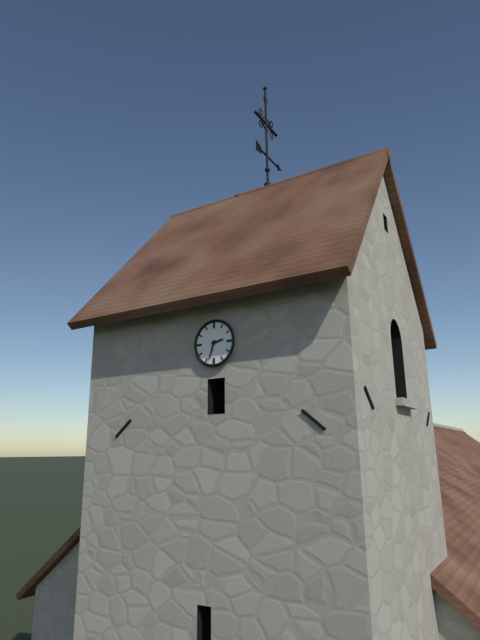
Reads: 2 h 33 min
